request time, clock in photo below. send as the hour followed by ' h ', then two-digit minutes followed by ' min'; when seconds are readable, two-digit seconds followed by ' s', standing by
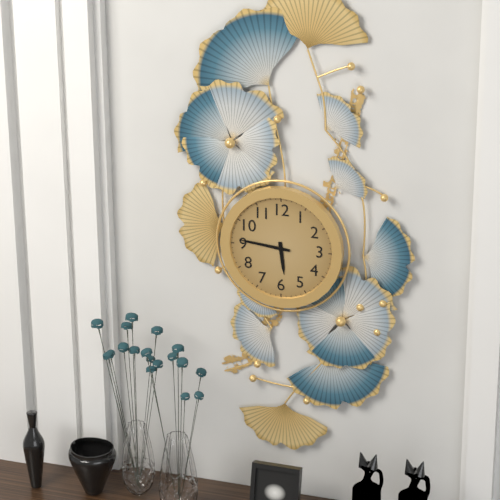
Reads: 5 h 46 min
